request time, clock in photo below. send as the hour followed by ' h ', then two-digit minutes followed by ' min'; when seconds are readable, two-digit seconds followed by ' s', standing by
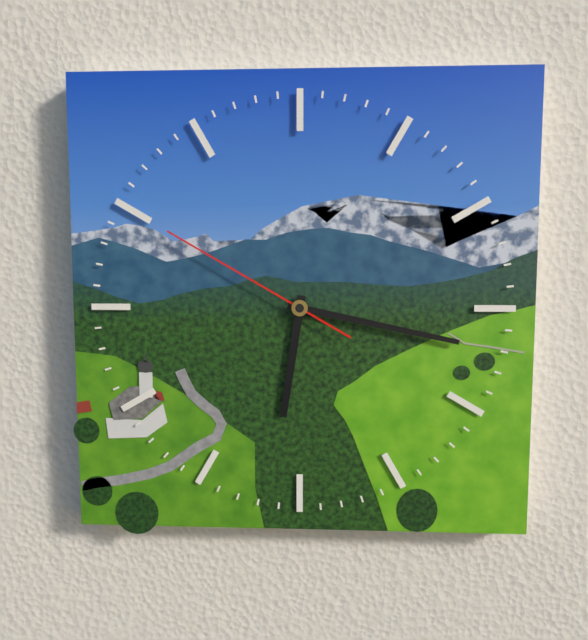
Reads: 6 h 17 min 50 s
